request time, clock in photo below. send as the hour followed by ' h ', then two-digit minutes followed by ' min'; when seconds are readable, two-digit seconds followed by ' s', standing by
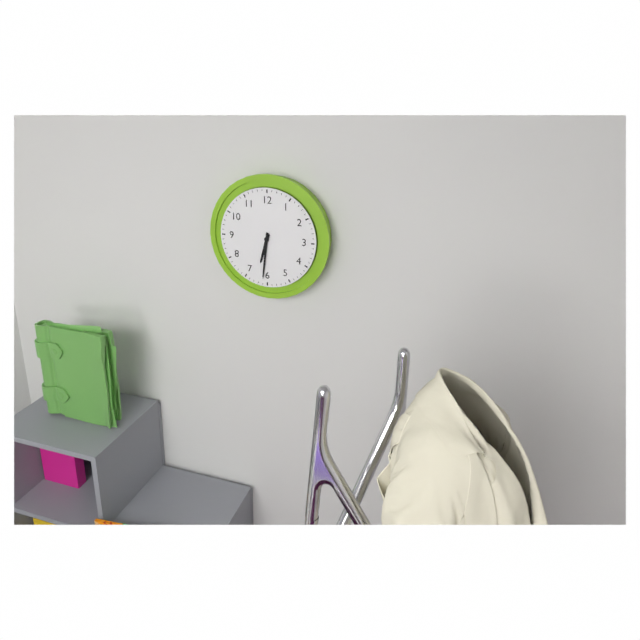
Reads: 6 h 31 min
